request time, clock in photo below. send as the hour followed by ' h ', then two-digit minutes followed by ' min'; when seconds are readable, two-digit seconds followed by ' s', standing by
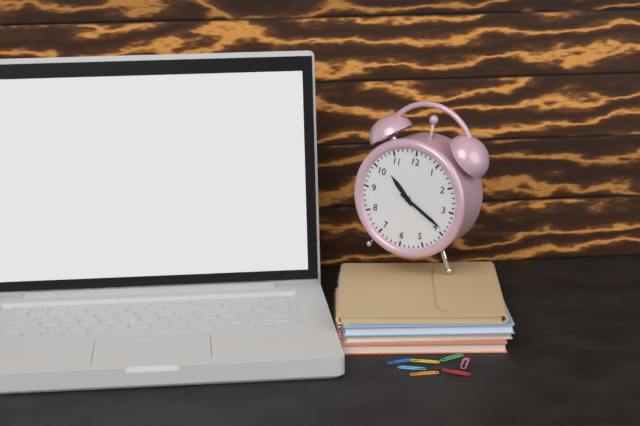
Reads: 10 h 19 min
